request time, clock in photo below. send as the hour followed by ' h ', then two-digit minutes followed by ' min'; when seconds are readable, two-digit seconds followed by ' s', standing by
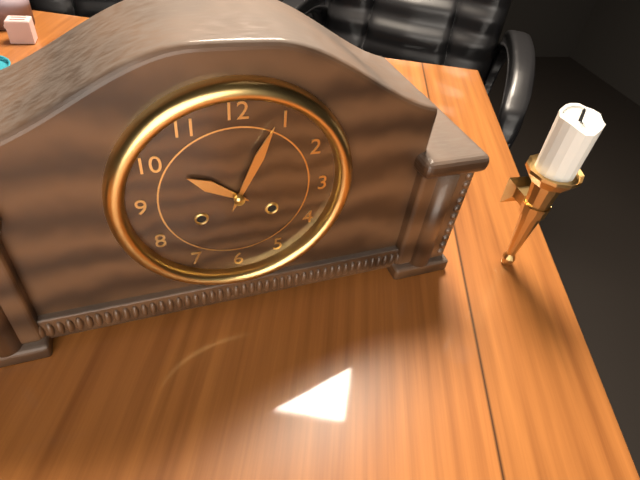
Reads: 10 h 04 min
